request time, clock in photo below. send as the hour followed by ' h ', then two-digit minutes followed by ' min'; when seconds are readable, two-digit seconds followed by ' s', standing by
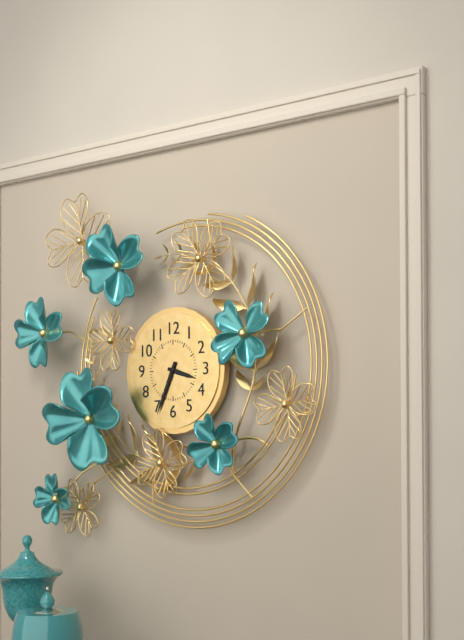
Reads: 3 h 34 min
